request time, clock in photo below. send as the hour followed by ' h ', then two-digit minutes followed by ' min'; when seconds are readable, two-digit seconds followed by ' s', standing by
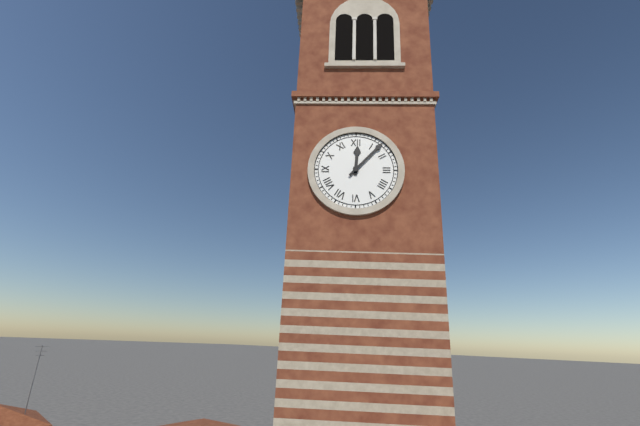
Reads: 12 h 07 min
